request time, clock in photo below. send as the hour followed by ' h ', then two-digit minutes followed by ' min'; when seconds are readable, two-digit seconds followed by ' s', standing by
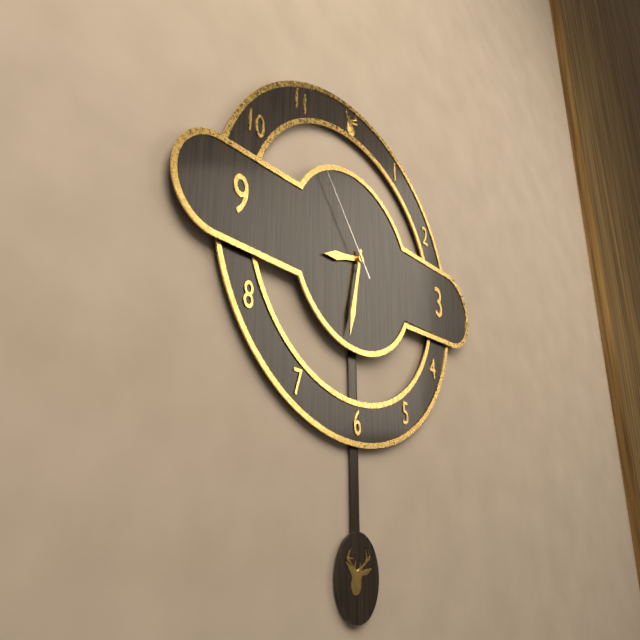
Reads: 8 h 32 min 54 s
